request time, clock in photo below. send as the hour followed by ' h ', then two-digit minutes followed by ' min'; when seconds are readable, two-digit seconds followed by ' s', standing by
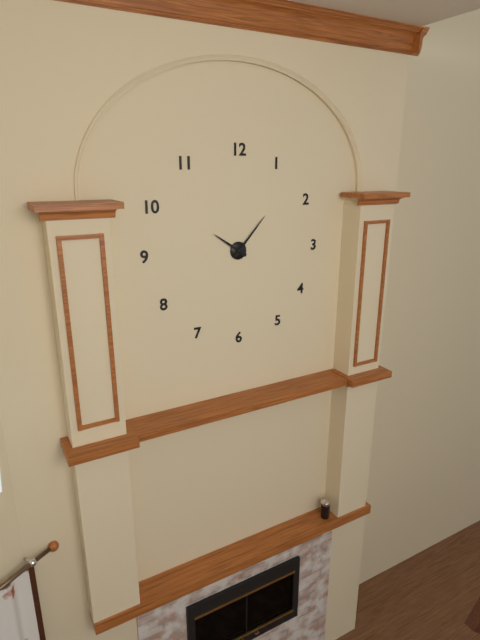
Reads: 10 h 07 min
